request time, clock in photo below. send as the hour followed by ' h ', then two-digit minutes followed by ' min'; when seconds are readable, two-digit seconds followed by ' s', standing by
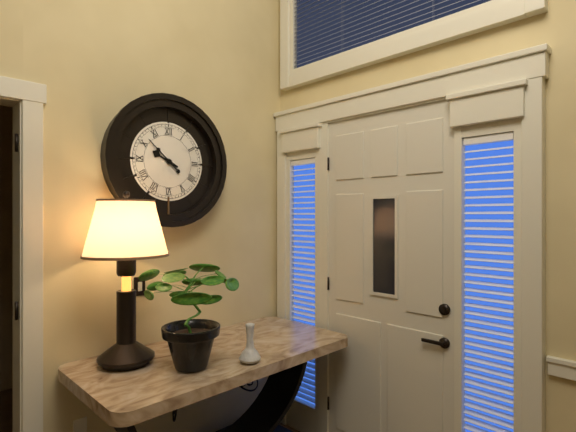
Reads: 9 h 52 min
